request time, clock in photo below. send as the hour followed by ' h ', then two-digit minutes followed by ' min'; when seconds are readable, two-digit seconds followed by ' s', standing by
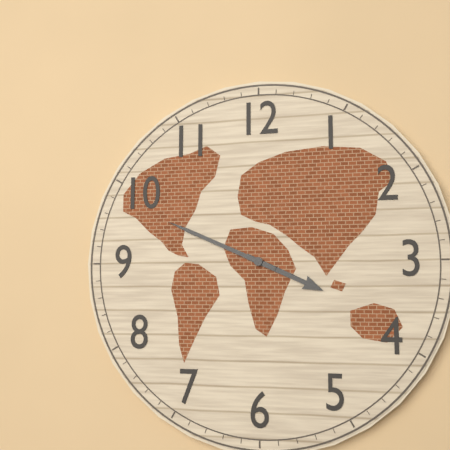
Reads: 3 h 49 min
